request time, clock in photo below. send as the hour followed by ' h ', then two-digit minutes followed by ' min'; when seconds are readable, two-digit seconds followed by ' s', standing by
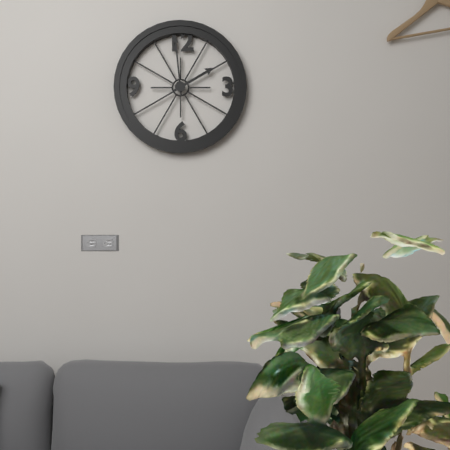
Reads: 1 h 59 min
